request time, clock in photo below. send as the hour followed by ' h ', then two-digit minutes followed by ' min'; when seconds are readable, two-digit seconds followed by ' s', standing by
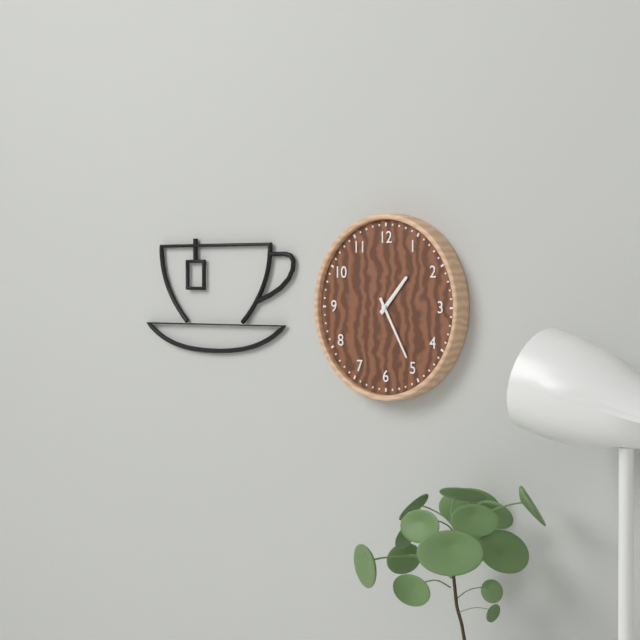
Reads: 1 h 25 min
